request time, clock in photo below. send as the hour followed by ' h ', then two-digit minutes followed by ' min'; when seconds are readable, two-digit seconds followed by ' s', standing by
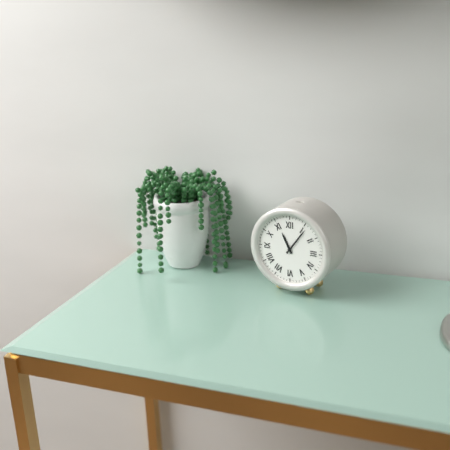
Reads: 11 h 06 min
